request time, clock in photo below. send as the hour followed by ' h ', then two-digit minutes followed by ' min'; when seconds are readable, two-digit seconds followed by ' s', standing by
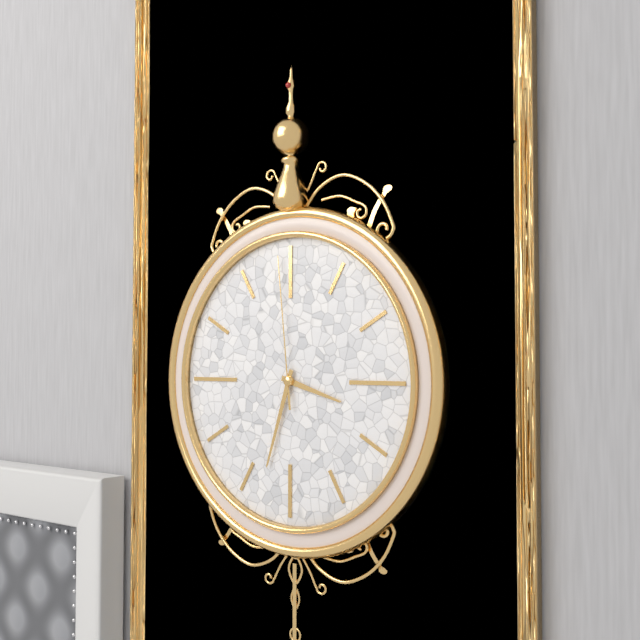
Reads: 3 h 33 min 59 s
